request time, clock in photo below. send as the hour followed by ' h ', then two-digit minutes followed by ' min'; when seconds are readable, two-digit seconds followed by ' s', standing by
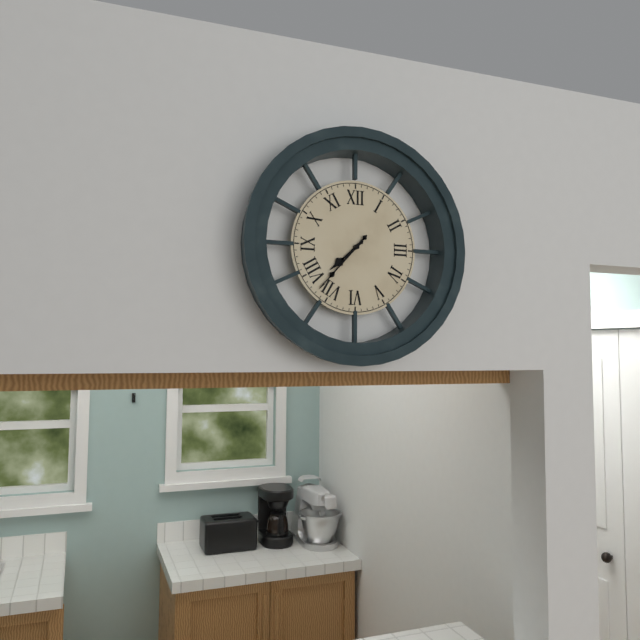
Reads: 7 h 37 min
